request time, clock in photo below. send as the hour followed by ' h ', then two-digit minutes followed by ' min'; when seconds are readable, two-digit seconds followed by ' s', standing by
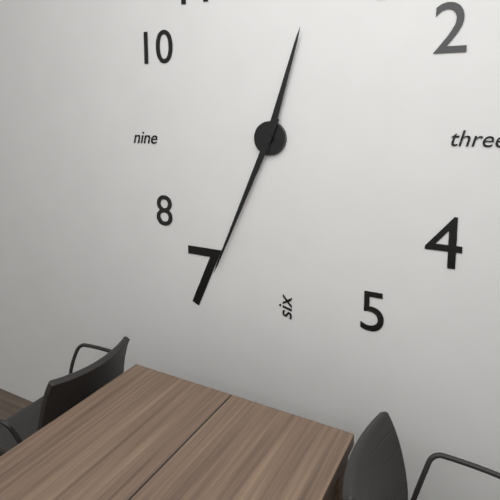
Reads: 12 h 34 min
